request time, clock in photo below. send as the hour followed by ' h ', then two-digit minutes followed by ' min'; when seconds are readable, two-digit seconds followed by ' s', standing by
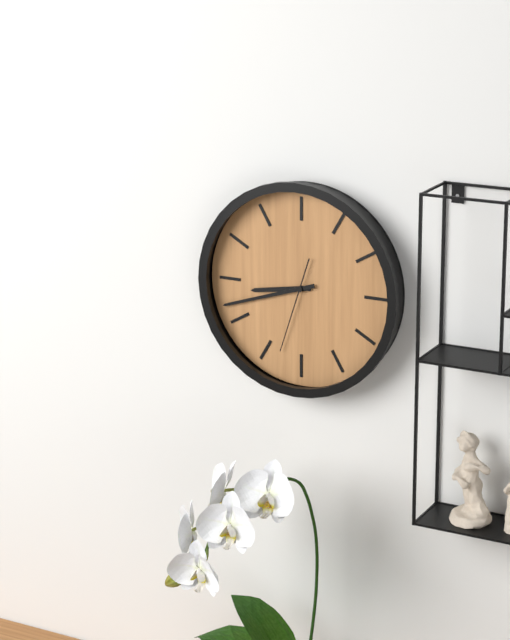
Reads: 8 h 42 min 33 s
